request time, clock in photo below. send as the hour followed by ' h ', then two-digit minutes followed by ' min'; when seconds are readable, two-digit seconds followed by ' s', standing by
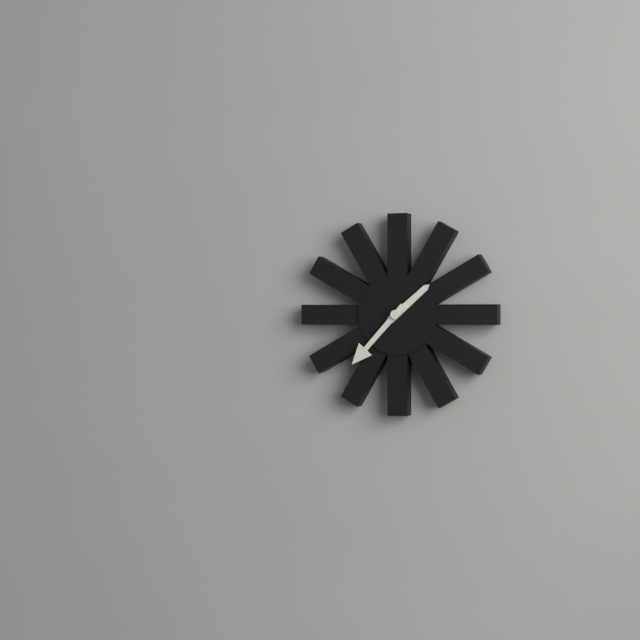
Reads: 1 h 37 min
